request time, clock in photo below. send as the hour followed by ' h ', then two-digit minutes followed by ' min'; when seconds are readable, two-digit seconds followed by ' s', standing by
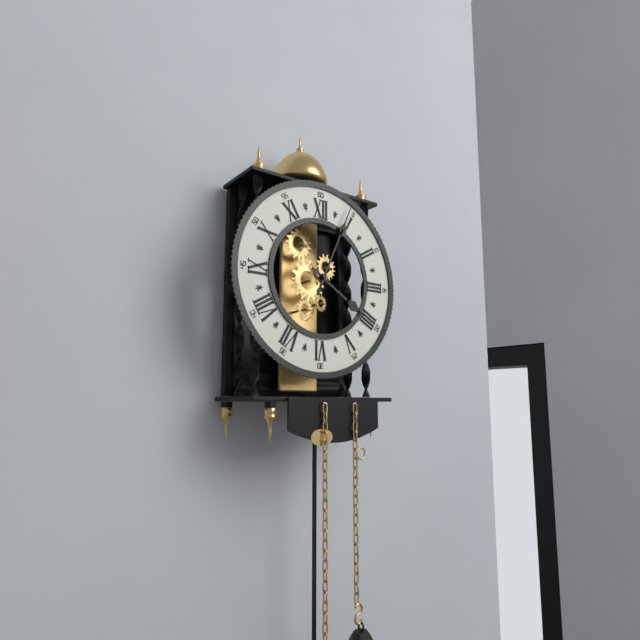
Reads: 4 h 04 min
